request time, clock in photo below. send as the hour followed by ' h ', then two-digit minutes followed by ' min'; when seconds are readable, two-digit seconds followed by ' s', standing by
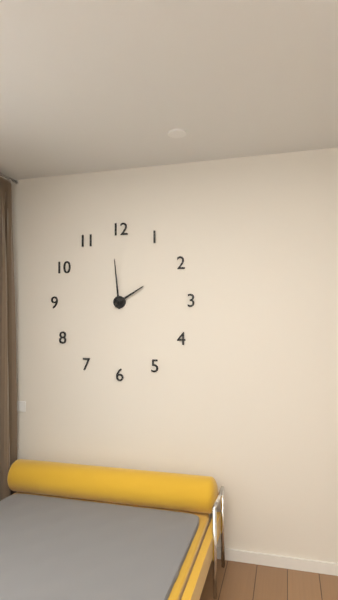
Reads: 1 h 59 min
